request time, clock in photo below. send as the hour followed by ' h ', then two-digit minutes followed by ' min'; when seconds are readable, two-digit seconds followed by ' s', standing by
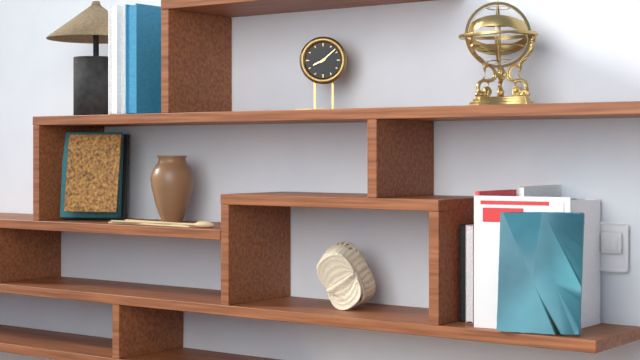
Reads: 8 h 08 min
